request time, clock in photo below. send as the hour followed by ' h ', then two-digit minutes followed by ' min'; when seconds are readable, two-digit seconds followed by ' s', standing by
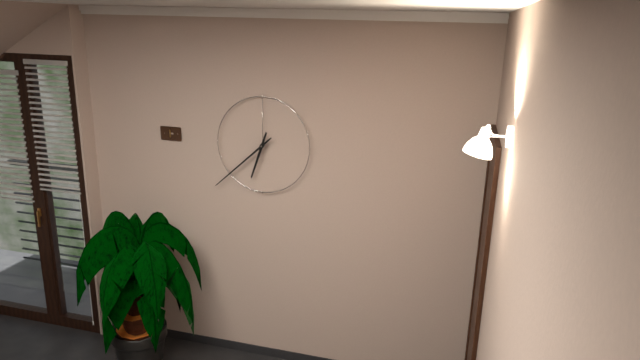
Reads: 6 h 38 min
